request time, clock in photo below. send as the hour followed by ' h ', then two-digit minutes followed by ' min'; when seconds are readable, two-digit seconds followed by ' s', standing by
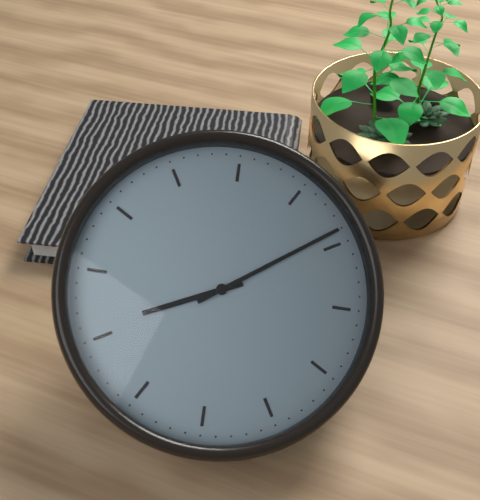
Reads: 8 h 09 min
